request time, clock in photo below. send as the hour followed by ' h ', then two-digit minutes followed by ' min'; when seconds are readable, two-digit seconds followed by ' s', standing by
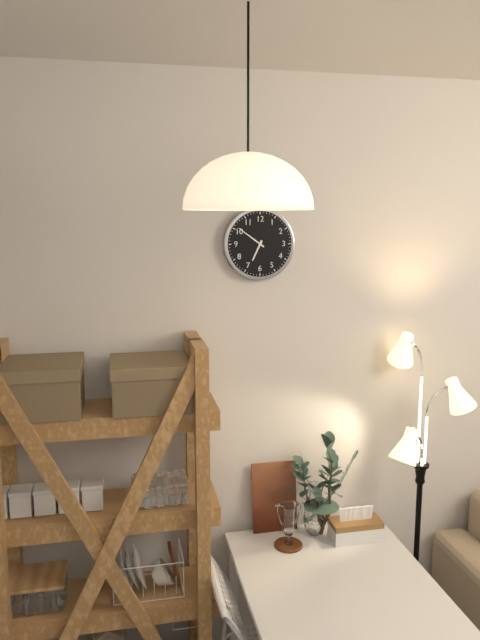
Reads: 6 h 51 min
